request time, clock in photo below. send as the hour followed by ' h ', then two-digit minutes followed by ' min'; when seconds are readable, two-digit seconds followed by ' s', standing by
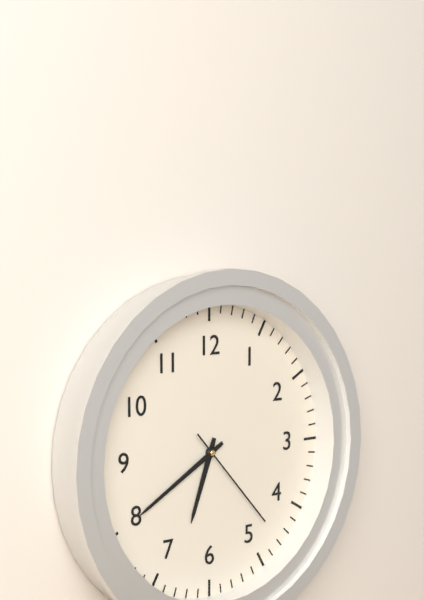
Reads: 6 h 40 min 23 s
